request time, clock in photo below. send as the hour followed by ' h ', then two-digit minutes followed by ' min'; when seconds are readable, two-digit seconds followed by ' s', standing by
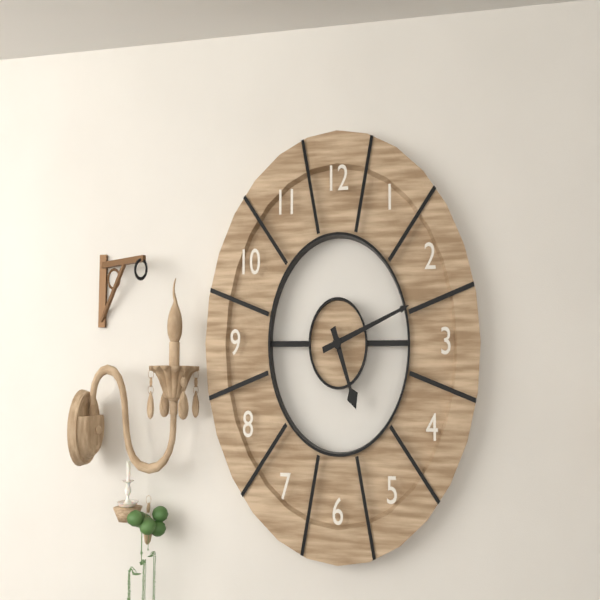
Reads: 5 h 12 min
